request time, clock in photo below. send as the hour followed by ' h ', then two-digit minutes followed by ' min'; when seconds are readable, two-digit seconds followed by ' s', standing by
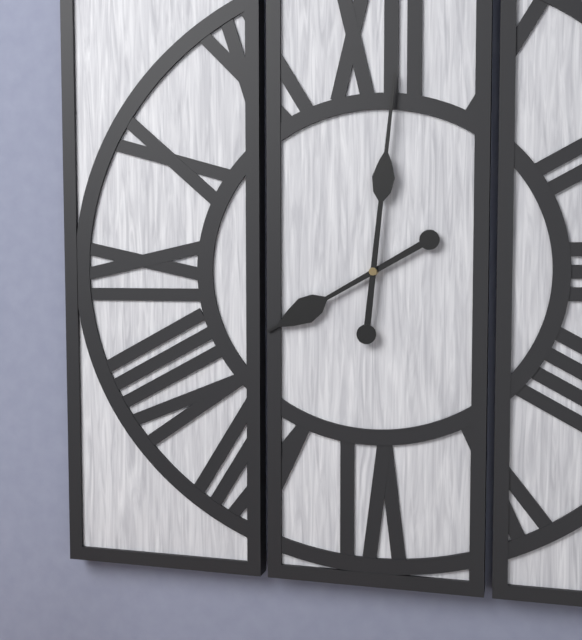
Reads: 8 h 01 min
